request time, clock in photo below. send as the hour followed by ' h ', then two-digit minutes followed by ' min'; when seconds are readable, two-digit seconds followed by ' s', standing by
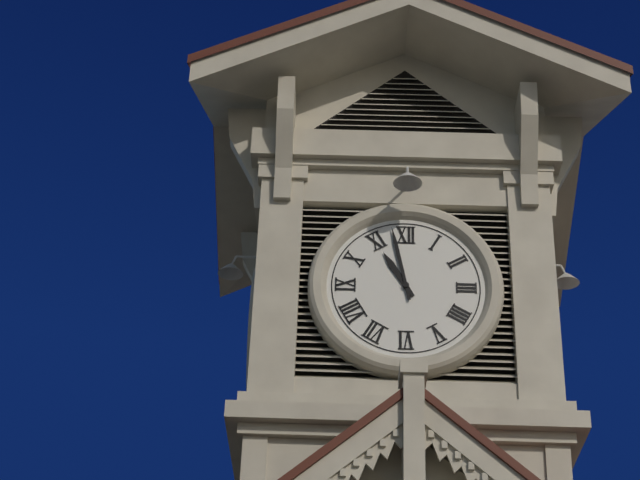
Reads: 10 h 58 min
